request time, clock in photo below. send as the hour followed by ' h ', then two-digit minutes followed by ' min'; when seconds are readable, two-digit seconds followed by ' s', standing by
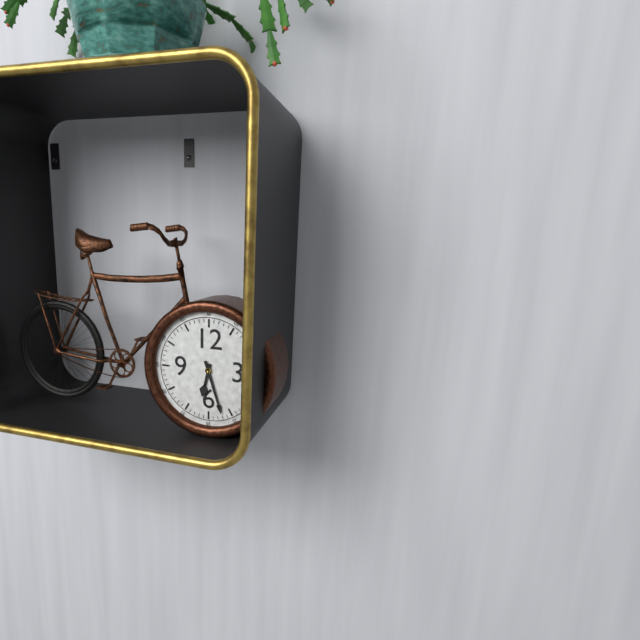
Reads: 6 h 27 min
